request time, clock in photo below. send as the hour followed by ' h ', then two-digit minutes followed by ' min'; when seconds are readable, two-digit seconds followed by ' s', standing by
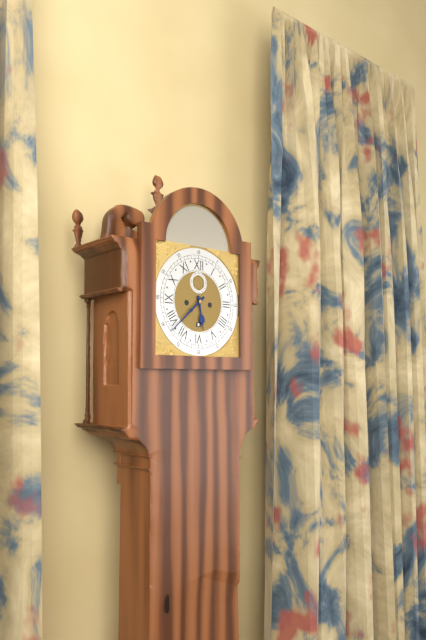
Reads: 5 h 38 min
